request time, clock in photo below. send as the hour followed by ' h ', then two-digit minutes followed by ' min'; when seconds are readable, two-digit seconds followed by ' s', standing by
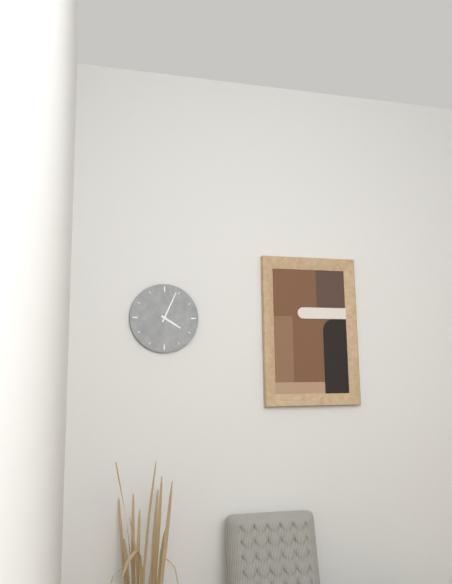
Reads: 4 h 04 min
